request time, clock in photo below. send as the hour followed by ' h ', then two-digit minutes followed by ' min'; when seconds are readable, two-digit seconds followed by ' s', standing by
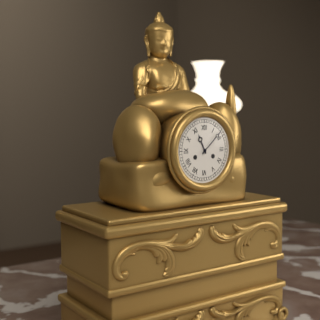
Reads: 11 h 08 min
